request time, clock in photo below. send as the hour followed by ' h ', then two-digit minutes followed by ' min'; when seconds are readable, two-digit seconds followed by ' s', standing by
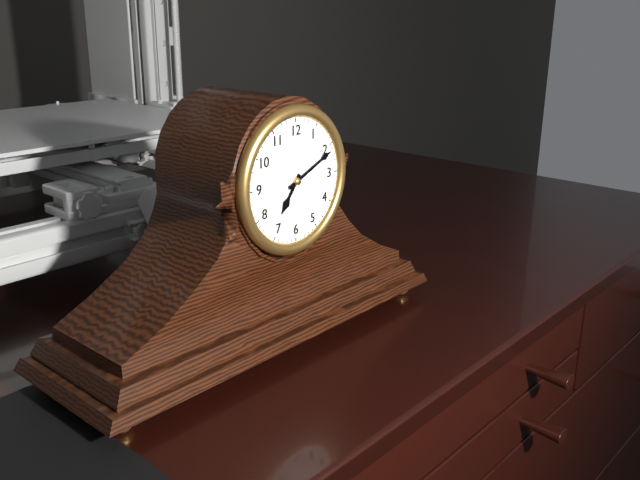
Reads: 7 h 11 min
